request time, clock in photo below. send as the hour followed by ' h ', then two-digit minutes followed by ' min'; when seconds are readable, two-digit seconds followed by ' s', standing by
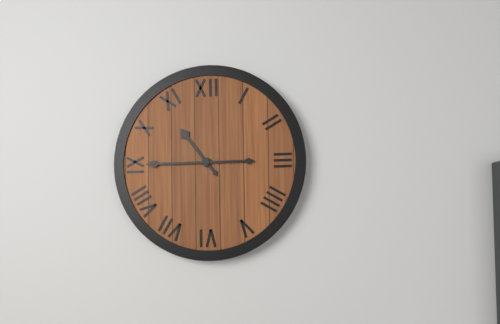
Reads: 10 h 45 min
